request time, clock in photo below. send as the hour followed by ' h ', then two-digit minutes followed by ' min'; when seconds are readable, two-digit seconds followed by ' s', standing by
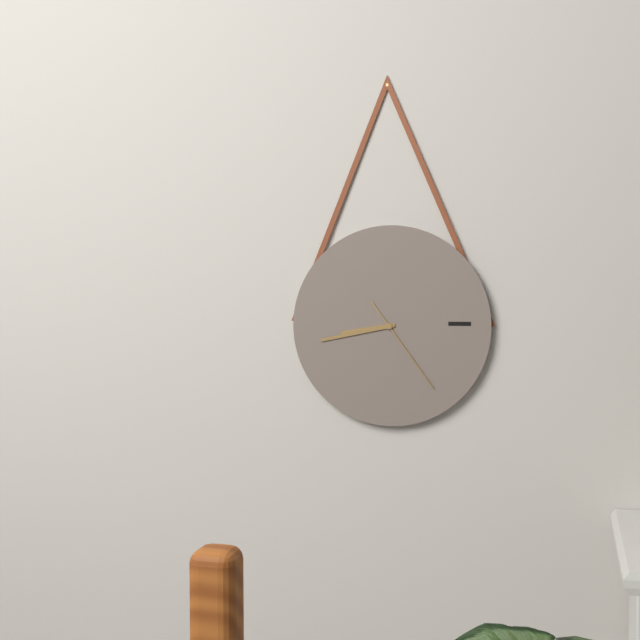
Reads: 8 h 43 min 24 s
